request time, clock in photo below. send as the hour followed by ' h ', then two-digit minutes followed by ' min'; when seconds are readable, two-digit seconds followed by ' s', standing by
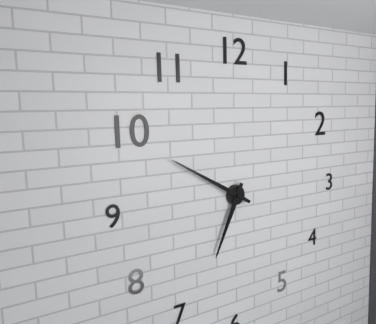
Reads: 6 h 50 min
